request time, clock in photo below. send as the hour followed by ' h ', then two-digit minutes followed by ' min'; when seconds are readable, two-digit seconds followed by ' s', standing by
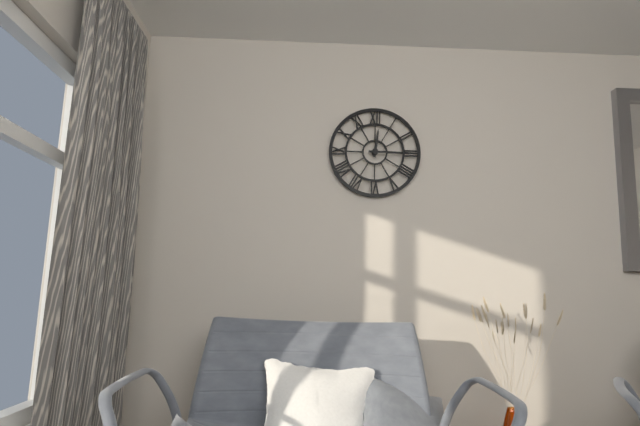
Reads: 12 h 15 min
